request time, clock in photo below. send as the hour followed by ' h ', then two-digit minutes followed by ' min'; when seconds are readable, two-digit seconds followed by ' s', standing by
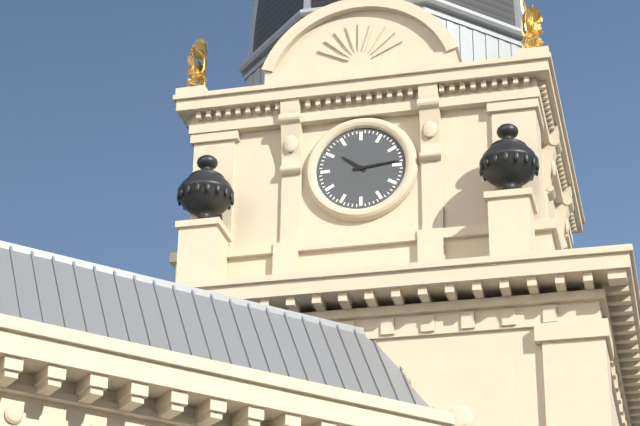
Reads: 10 h 14 min
